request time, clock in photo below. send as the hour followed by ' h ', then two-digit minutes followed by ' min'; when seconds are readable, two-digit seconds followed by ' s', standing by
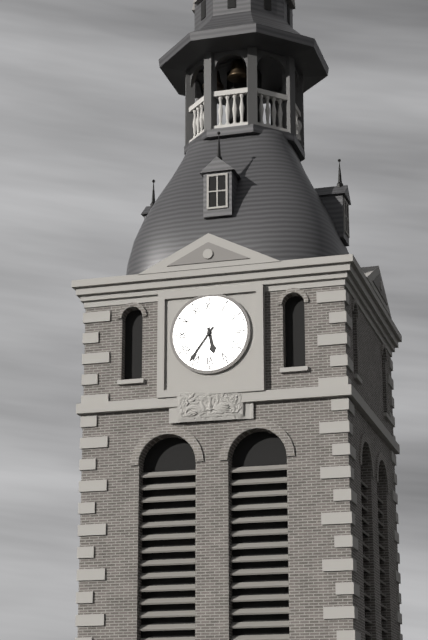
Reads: 5 h 36 min
